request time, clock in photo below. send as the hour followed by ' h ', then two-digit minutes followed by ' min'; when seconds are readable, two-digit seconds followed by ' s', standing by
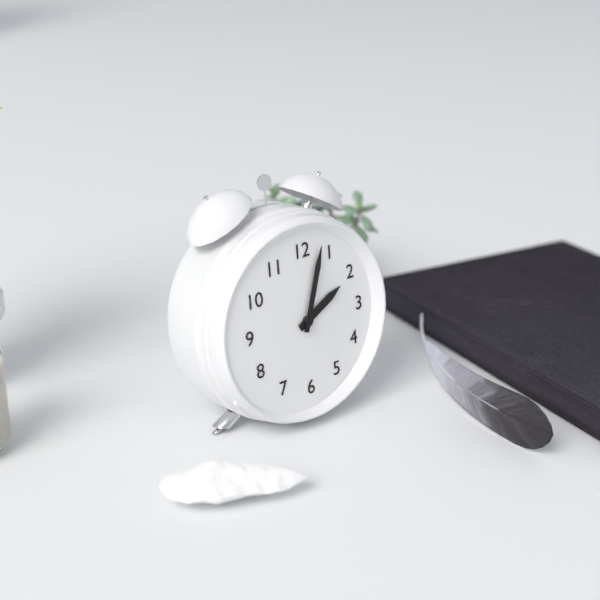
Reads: 2 h 03 min
